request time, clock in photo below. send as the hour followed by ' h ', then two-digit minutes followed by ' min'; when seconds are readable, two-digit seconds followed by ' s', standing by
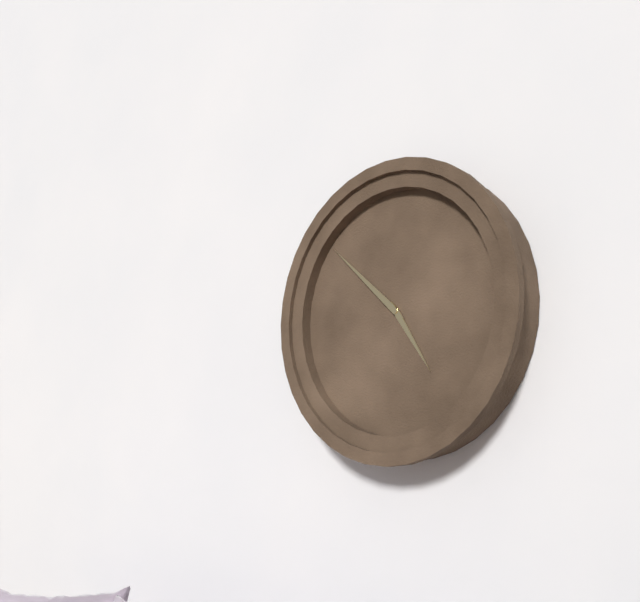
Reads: 4 h 52 min
